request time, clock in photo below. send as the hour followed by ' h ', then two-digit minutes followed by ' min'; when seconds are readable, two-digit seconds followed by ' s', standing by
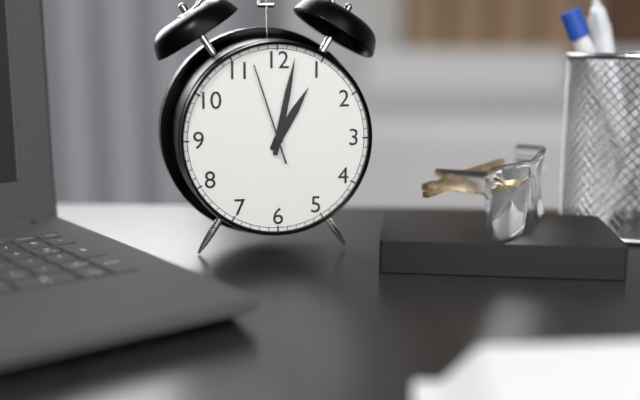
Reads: 1 h 02 min 57 s
